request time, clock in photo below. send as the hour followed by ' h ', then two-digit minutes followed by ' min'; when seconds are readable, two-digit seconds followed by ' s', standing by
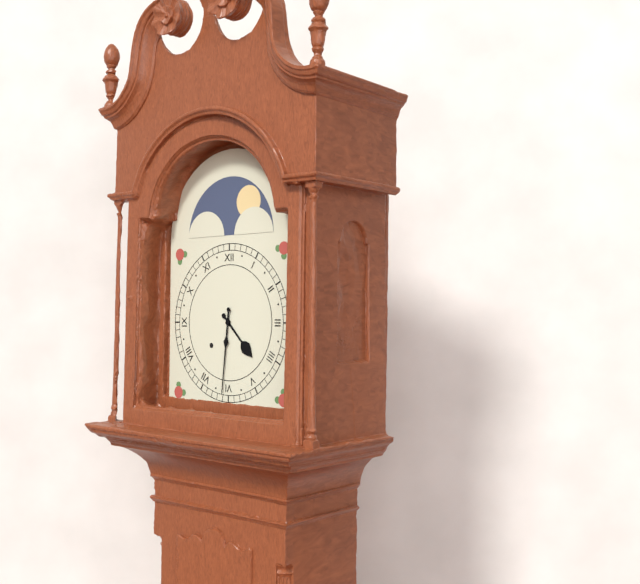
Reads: 4 h 31 min
